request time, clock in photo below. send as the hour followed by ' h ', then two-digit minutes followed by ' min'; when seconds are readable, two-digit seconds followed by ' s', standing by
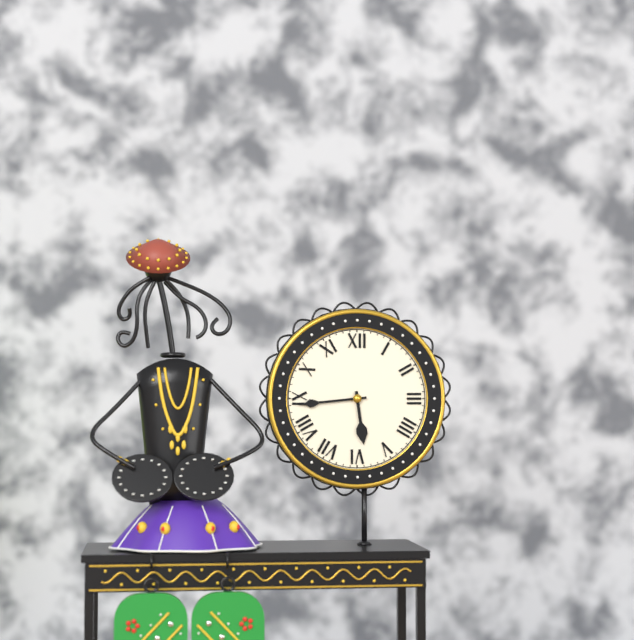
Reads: 5 h 44 min
